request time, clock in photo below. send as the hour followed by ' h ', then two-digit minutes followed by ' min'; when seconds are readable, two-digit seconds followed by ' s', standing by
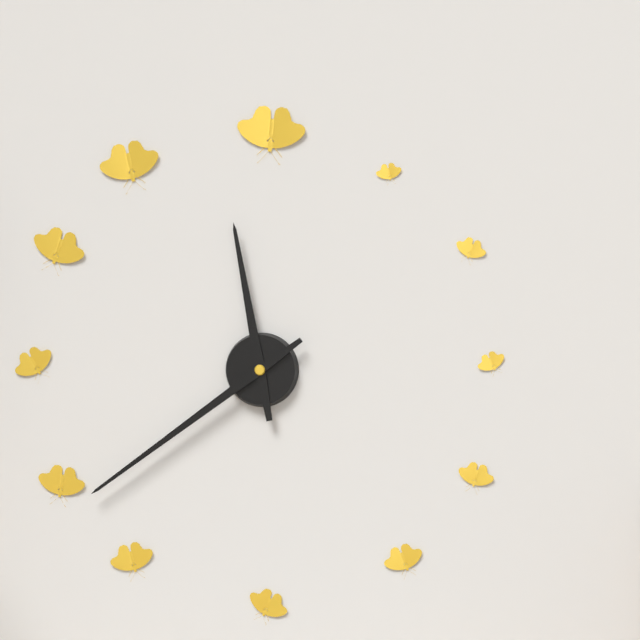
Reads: 11 h 39 min
